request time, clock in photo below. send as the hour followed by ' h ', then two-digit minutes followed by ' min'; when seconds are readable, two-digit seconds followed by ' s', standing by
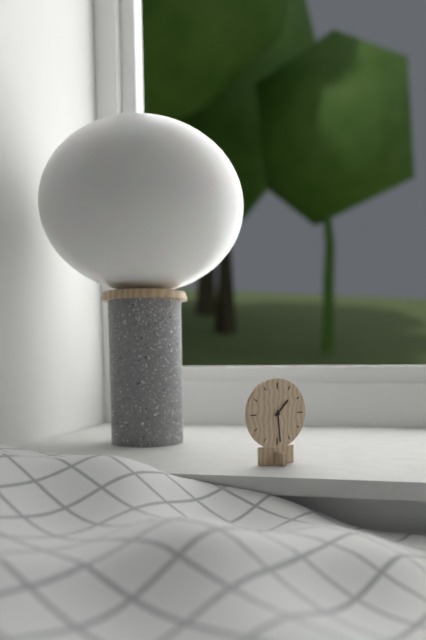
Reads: 1 h 29 min
